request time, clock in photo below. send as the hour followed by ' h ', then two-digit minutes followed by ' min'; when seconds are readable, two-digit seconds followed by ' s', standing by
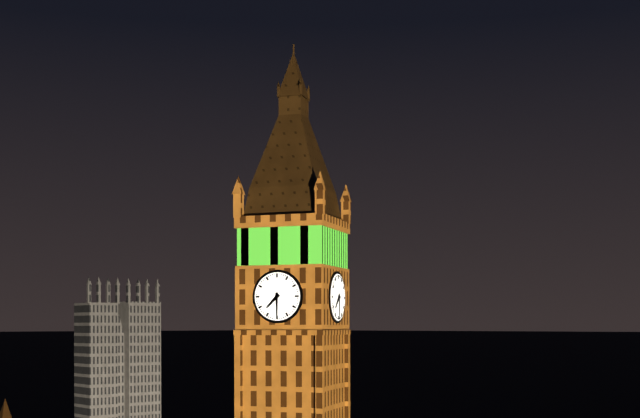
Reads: 7 h 30 min
